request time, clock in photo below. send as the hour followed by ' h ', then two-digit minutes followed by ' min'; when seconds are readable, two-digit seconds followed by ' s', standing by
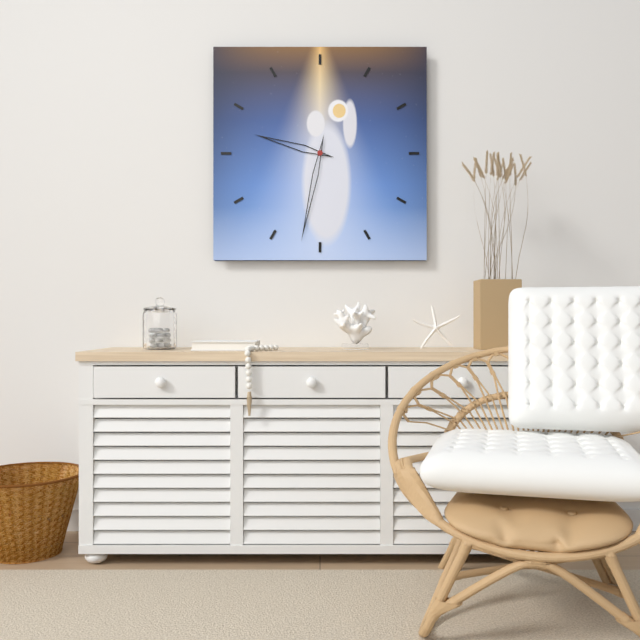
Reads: 9 h 32 min
